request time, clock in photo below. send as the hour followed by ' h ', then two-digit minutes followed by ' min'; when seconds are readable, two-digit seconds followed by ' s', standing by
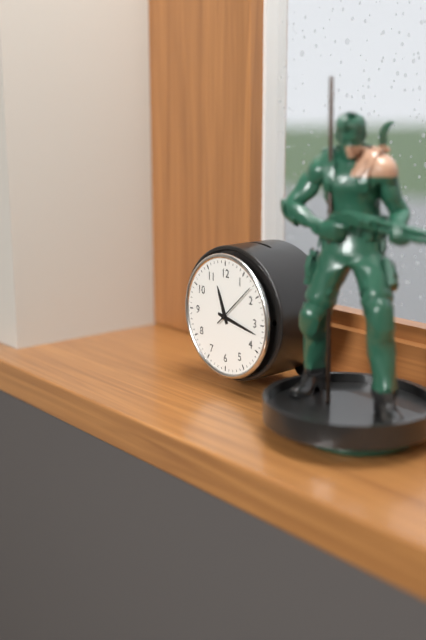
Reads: 11 h 17 min
